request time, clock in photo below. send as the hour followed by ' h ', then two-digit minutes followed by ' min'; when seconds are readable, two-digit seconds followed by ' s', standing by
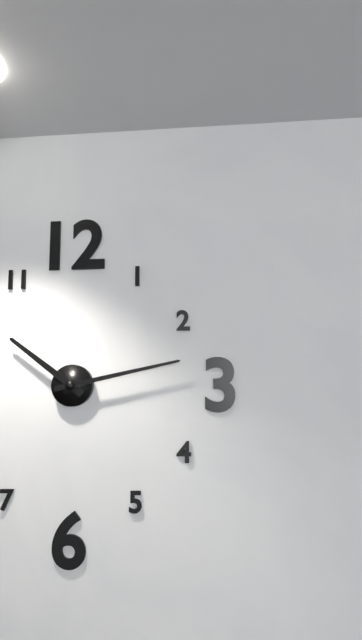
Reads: 10 h 13 min
